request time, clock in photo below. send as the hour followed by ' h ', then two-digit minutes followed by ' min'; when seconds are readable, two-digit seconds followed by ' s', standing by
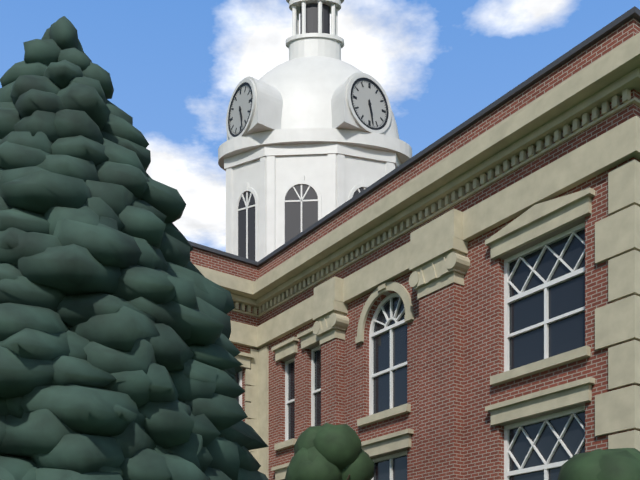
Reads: 5 h 28 min
